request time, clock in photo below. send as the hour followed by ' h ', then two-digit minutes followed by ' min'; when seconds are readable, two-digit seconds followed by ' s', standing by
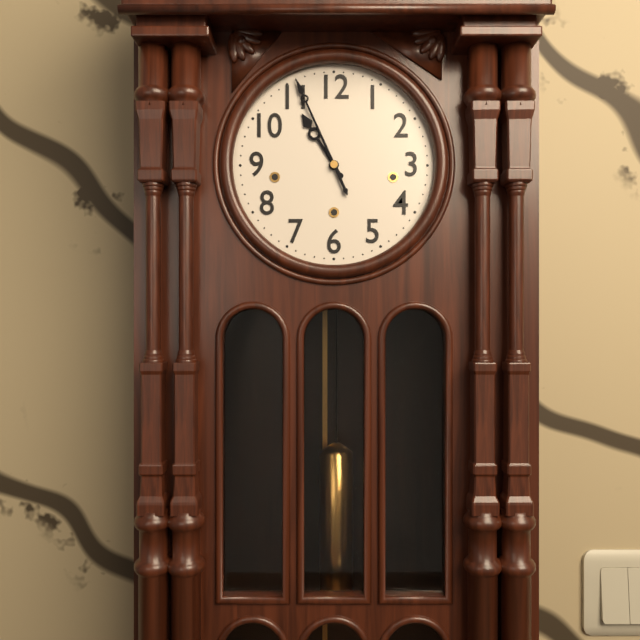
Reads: 10 h 56 min
